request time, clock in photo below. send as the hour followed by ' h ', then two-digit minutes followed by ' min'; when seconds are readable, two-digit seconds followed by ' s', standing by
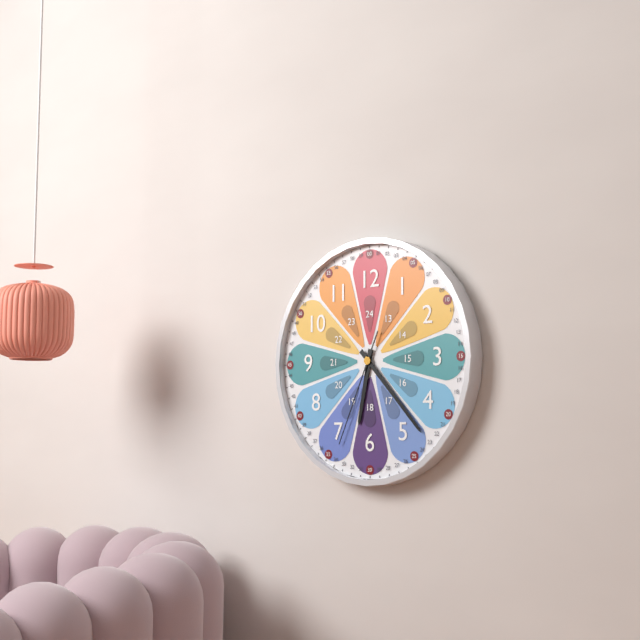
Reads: 6 h 23 min 34 s
